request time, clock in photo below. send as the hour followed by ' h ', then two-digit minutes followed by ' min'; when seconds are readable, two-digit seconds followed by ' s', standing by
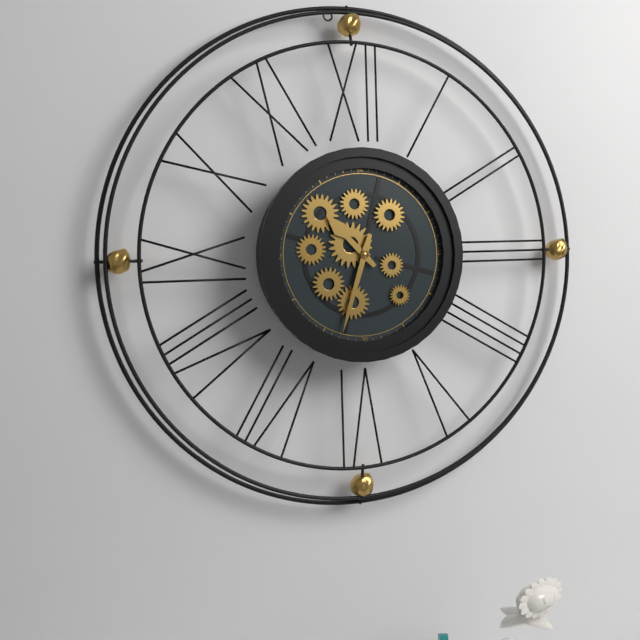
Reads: 10 h 33 min
